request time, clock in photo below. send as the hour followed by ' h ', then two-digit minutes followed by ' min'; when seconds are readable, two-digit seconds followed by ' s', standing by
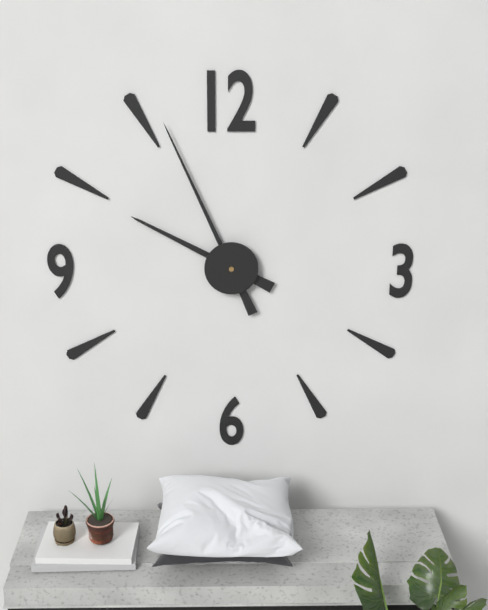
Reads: 9 h 56 min
